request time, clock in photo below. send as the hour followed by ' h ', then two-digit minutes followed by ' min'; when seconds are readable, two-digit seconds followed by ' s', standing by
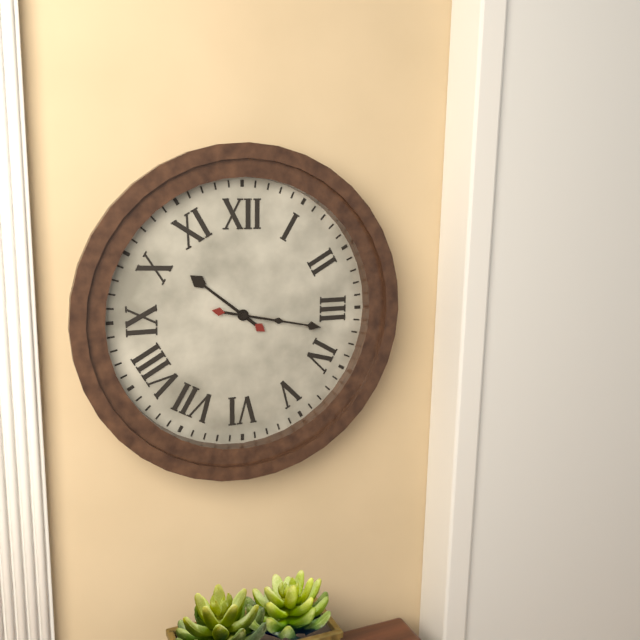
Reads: 10 h 17 min
